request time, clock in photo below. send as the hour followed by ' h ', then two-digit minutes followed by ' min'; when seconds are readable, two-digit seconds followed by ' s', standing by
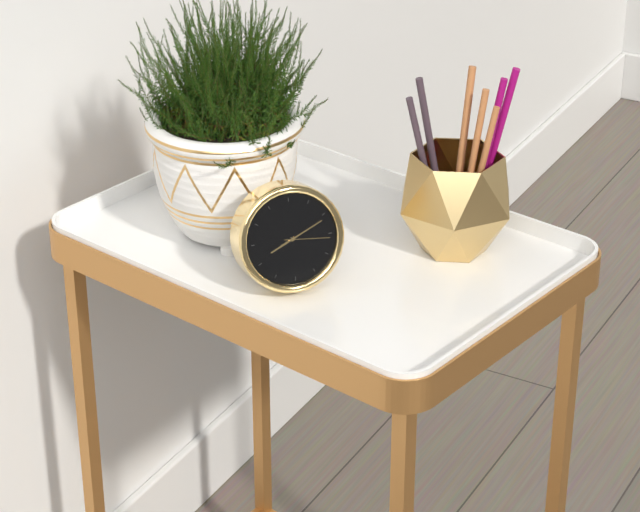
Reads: 8 h 11 min
